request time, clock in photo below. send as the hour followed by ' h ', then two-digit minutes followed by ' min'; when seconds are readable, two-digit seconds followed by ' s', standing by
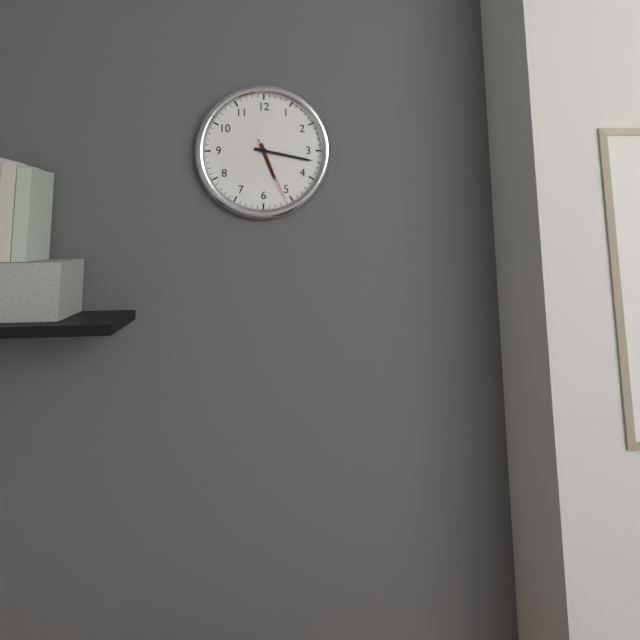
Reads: 5 h 17 min 26 s
